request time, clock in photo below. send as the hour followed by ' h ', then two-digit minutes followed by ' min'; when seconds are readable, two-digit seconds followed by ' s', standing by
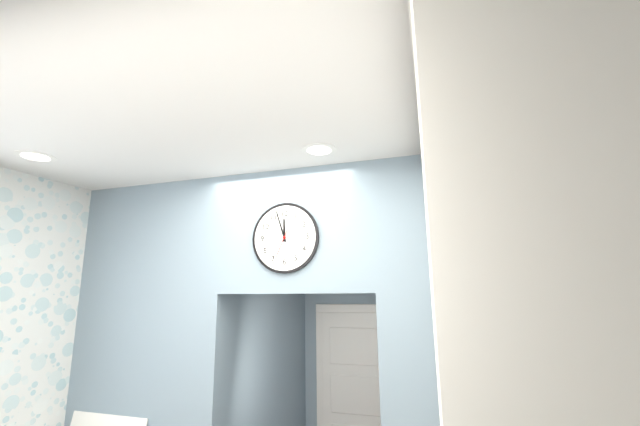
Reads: 11 h 57 min
